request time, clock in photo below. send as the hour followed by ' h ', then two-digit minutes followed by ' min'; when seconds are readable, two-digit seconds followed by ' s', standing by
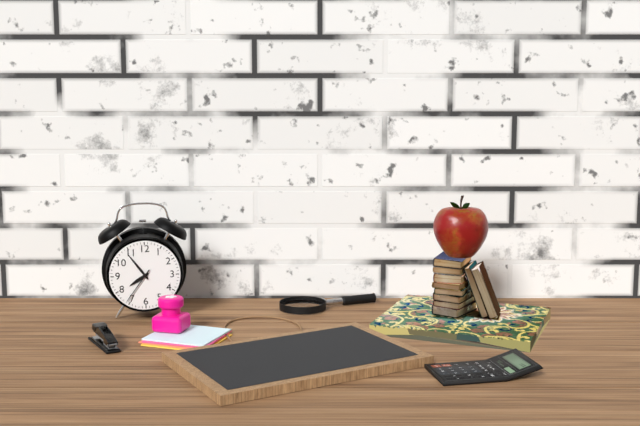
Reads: 7 h 54 min
